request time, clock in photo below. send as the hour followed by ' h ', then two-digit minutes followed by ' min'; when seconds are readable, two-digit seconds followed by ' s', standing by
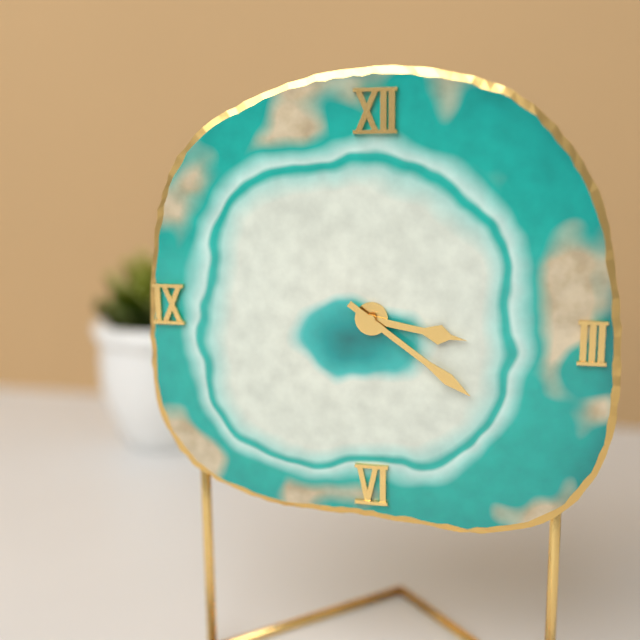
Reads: 3 h 21 min
